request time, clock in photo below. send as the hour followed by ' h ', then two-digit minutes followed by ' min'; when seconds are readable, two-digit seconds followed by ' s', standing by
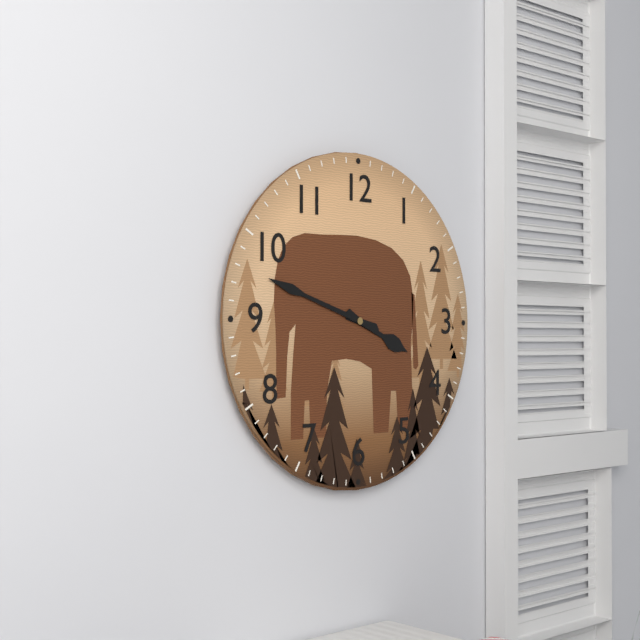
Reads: 3 h 48 min
